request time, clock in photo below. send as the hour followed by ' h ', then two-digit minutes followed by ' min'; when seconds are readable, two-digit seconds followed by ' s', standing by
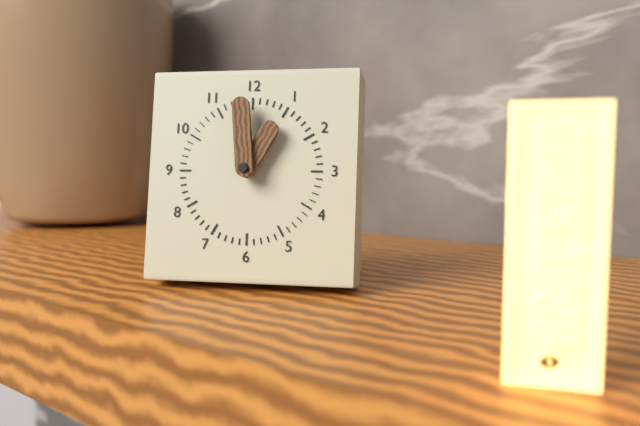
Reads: 12 h 59 min
